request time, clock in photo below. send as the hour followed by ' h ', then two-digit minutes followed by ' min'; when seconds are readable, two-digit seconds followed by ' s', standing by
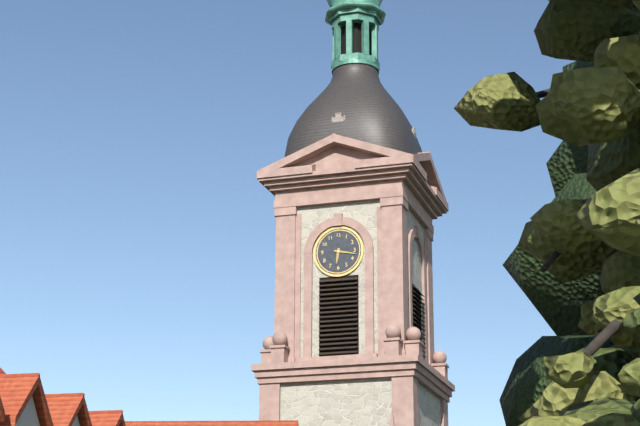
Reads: 6 h 17 min
